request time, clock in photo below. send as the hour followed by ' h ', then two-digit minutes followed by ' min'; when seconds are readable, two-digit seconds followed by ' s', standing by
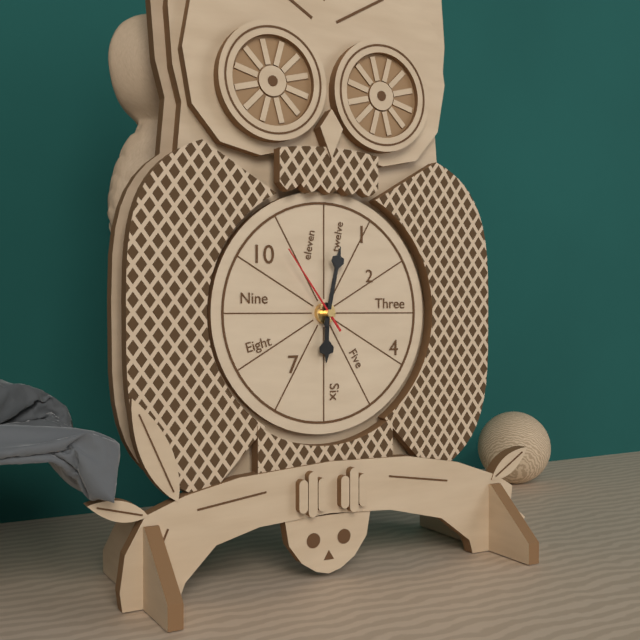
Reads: 6 h 02 min 54 s
